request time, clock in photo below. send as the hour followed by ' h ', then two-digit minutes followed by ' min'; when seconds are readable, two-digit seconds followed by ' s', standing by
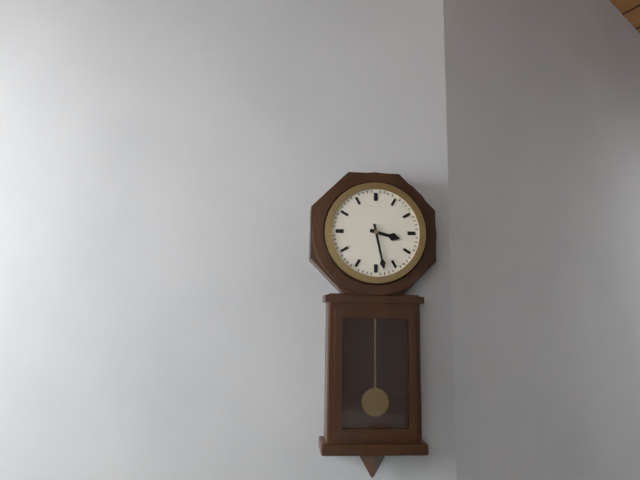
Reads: 3 h 28 min
